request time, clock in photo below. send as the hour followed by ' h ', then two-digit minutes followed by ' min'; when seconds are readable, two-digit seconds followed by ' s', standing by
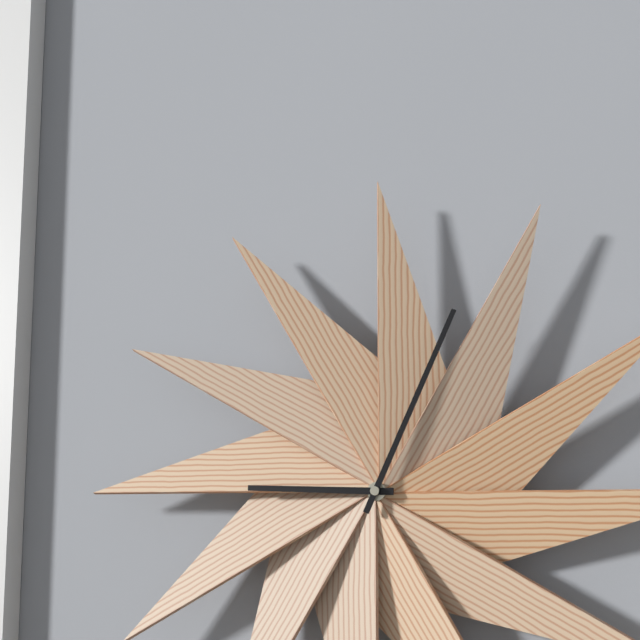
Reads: 9 h 04 min
